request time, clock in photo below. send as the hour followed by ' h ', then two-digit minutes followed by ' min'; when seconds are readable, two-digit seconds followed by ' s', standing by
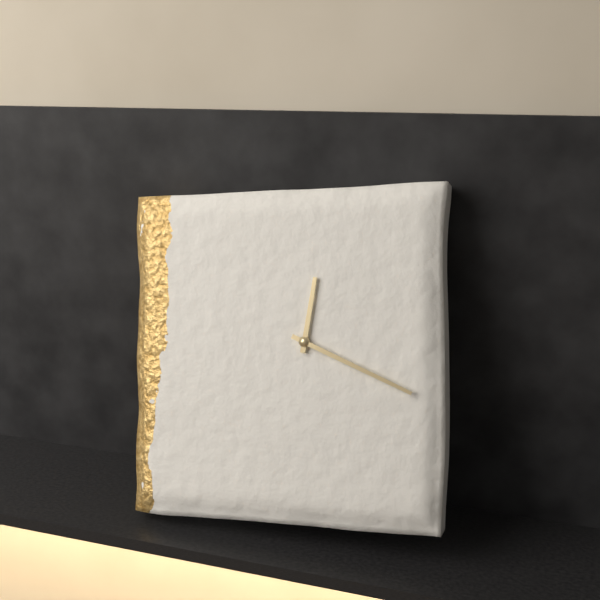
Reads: 12 h 19 min
